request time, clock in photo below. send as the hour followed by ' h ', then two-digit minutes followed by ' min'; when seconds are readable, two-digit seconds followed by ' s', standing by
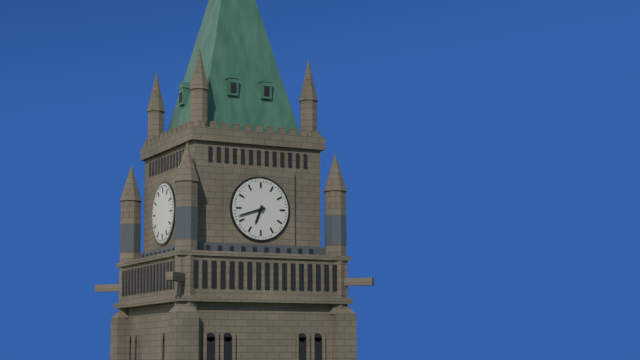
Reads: 6 h 42 min
